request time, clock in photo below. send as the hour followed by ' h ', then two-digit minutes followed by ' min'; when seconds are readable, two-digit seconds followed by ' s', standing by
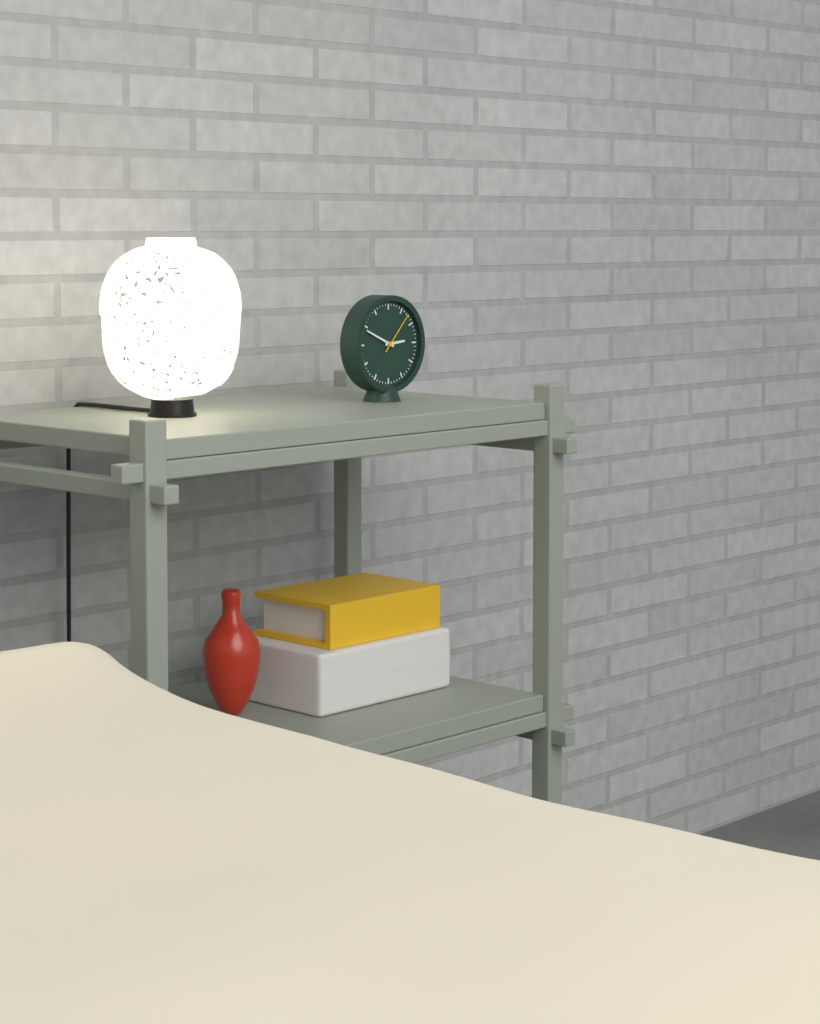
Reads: 2 h 49 min
